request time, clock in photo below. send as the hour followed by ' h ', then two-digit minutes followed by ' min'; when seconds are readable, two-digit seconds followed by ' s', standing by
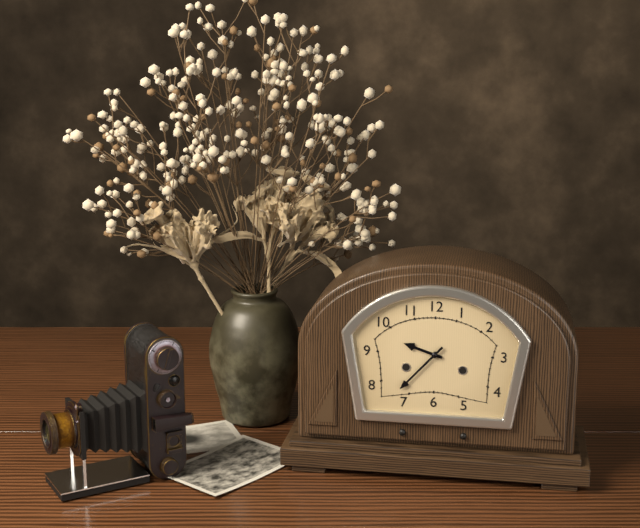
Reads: 9 h 37 min
